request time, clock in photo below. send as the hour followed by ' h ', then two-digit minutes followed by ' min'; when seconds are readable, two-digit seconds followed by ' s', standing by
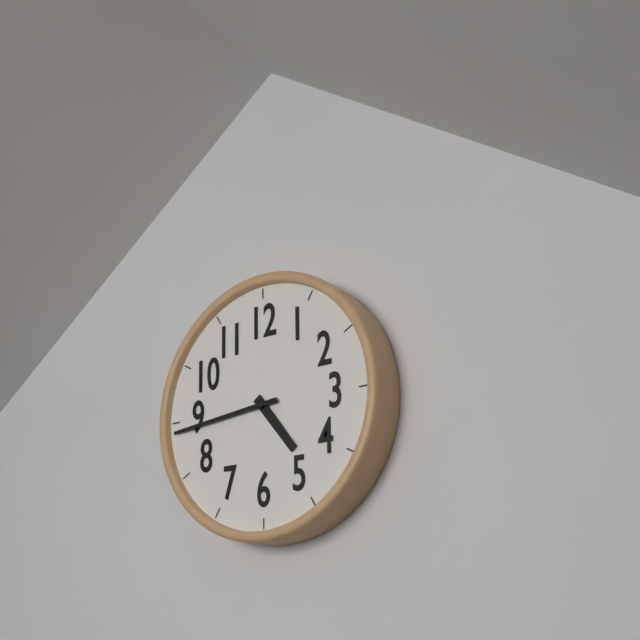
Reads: 4 h 44 min
